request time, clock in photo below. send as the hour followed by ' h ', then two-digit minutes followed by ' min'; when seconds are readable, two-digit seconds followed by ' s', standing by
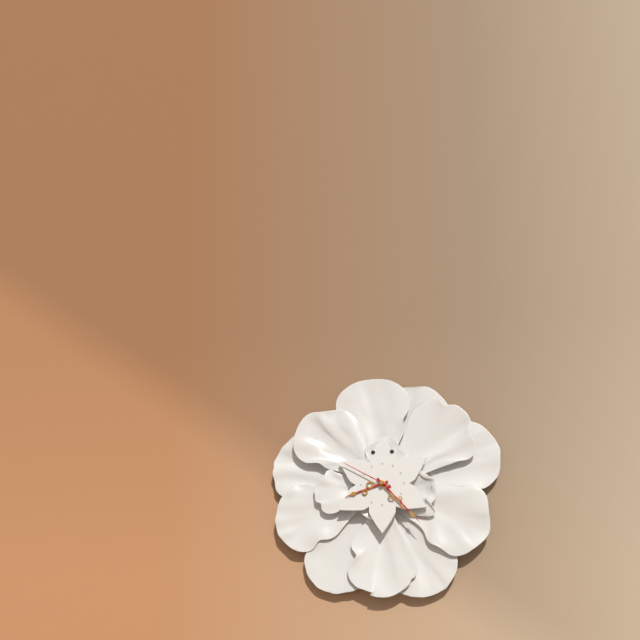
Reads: 8 h 23 min 50 s
